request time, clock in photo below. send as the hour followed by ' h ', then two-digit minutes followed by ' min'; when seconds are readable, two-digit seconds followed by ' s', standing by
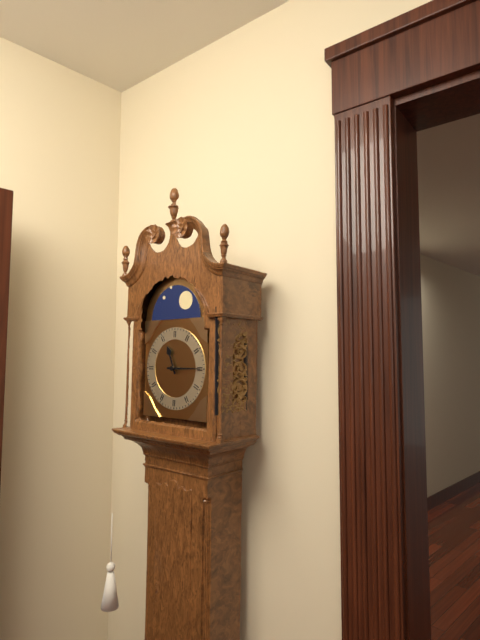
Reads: 11 h 15 min
